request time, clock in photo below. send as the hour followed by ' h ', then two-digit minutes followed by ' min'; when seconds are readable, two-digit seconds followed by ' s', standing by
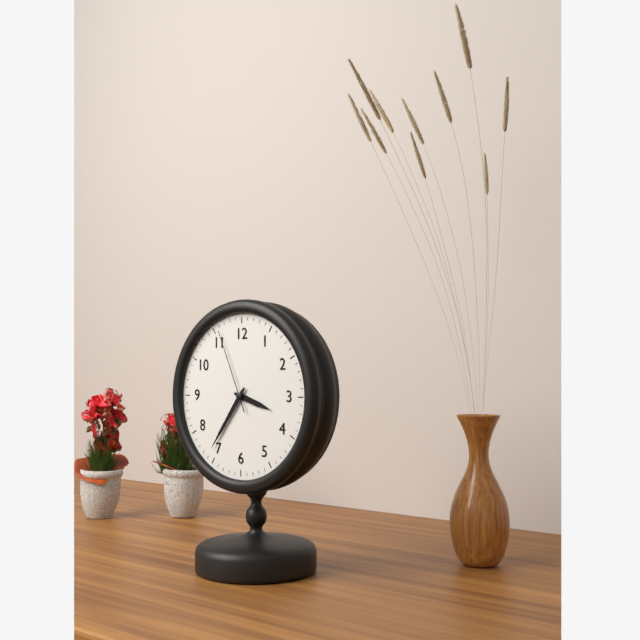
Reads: 3 h 36 min 56 s
